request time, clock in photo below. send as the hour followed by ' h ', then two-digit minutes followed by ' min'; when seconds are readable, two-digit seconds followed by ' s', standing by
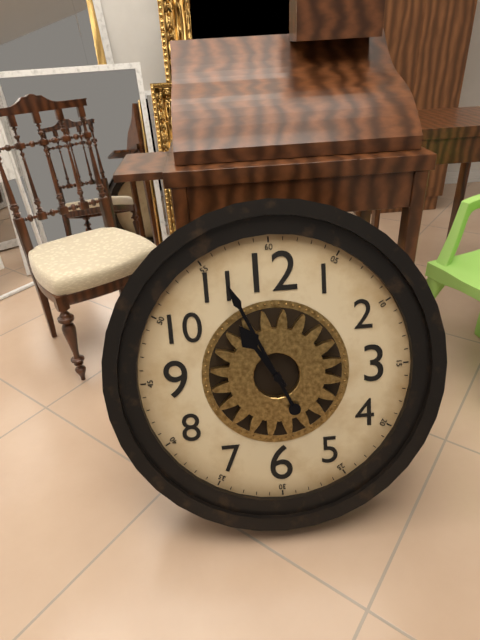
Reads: 10 h 56 min
